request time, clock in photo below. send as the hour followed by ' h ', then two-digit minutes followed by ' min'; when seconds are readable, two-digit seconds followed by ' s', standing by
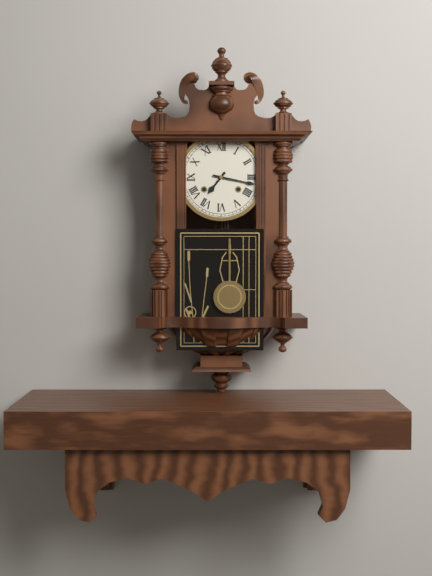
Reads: 7 h 17 min
